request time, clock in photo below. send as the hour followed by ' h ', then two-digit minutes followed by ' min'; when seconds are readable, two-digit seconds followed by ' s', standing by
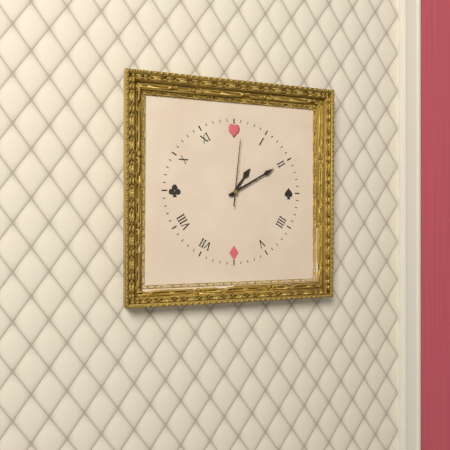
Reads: 1 h 10 min 01 s
